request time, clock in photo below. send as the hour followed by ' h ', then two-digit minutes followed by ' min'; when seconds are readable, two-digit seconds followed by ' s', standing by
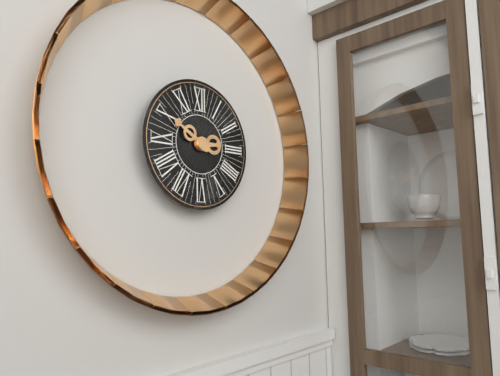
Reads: 2 h 50 min
